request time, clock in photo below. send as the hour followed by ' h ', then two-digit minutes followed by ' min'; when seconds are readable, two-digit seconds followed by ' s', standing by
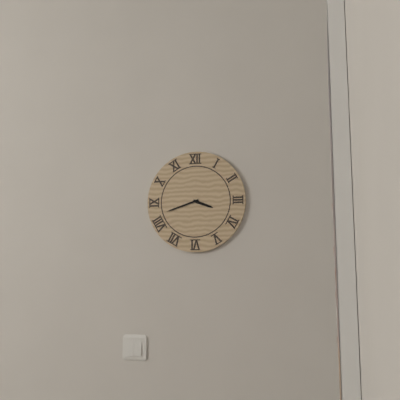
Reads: 3 h 42 min
